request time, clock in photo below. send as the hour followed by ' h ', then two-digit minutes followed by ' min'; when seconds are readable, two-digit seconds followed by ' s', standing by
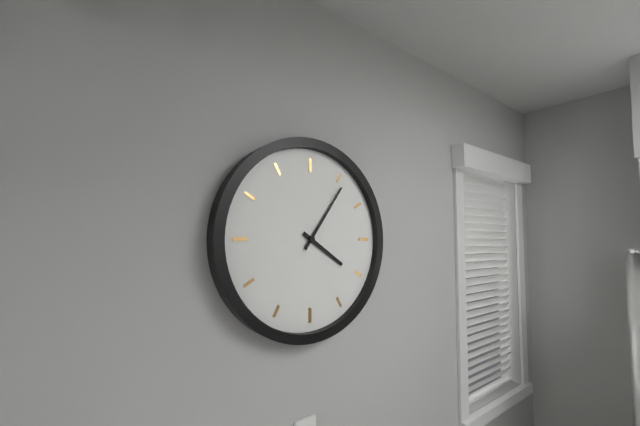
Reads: 4 h 06 min
